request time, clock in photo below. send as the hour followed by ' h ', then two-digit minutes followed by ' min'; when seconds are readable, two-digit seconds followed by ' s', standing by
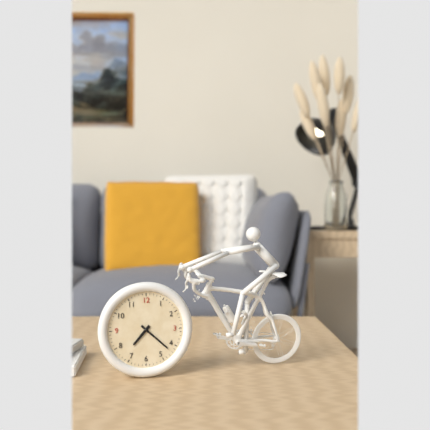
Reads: 7 h 22 min
